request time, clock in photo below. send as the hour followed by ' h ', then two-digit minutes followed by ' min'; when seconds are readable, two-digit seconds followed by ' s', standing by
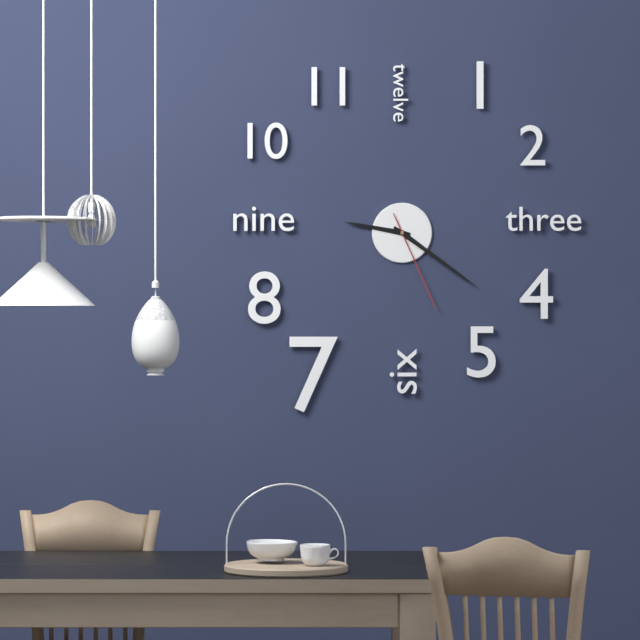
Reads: 9 h 21 min 26 s
